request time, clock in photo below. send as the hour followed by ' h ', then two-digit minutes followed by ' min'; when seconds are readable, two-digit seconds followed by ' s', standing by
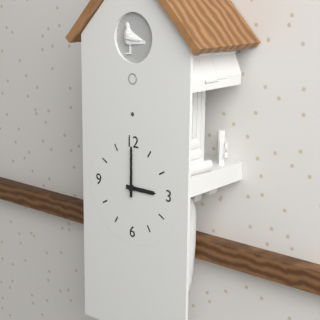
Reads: 3 h 00 min
